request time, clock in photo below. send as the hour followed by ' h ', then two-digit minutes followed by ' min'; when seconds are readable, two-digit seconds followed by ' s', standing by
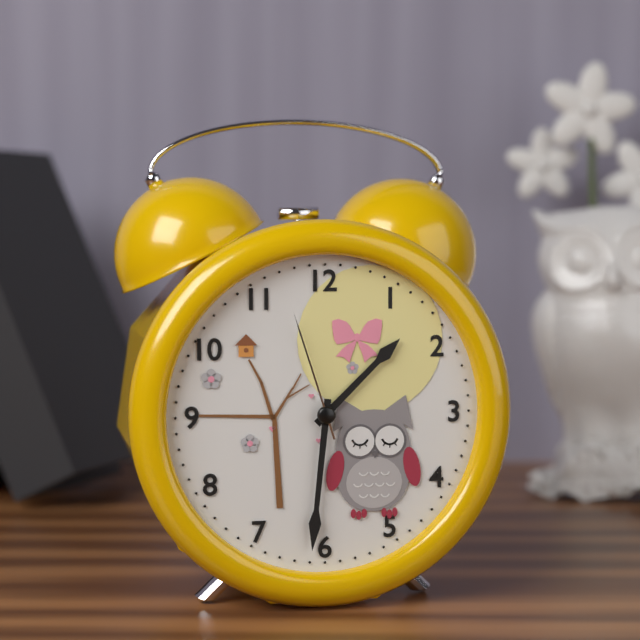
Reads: 1 h 31 min 57 s
